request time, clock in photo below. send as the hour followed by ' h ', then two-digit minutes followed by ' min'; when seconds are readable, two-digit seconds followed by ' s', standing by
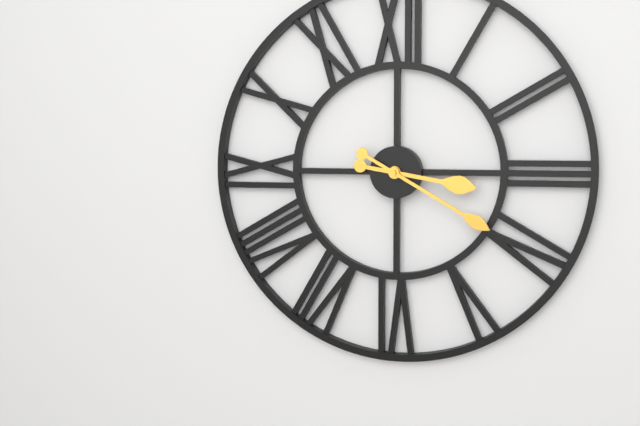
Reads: 3 h 20 min
